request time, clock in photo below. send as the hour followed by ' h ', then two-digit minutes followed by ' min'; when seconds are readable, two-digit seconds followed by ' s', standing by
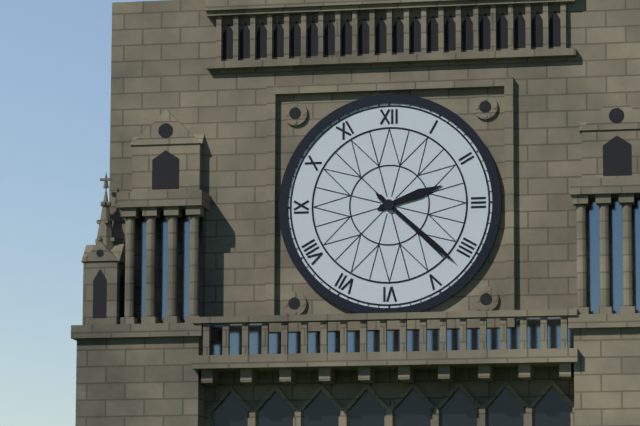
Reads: 2 h 22 min
